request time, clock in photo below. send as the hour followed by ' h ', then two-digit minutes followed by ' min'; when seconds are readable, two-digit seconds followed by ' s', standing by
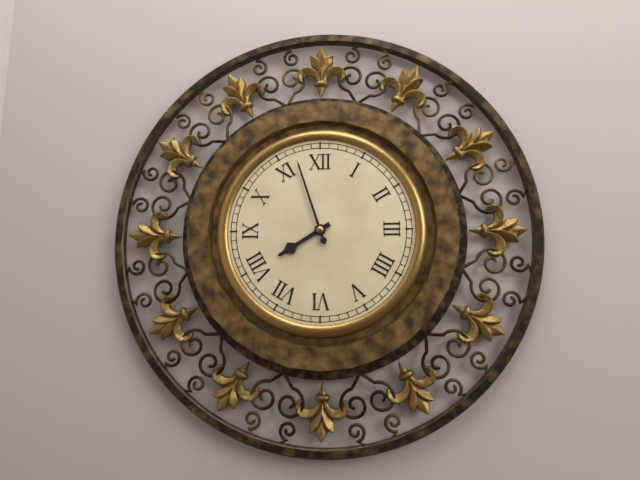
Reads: 7 h 57 min
